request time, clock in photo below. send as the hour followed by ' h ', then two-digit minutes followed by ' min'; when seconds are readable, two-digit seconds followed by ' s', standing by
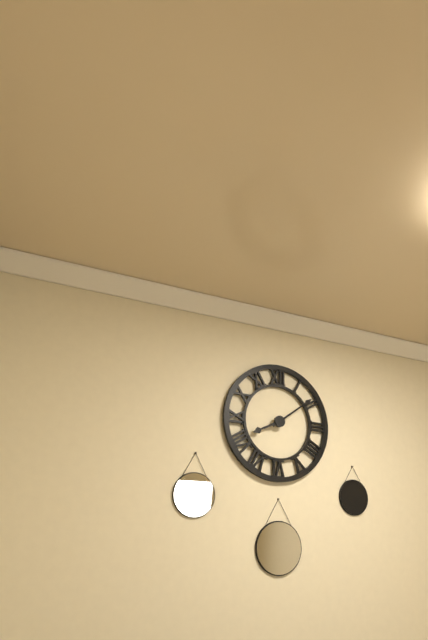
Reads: 8 h 09 min
